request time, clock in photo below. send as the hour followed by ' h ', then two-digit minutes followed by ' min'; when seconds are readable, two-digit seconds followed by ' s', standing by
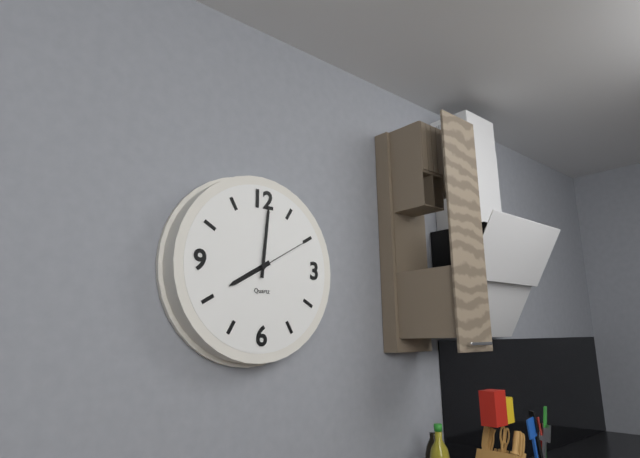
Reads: 8 h 01 min 10 s
